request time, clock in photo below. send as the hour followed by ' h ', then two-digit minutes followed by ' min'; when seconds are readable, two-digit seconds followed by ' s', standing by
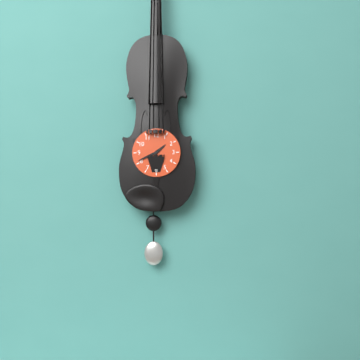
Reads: 1 h 41 min
